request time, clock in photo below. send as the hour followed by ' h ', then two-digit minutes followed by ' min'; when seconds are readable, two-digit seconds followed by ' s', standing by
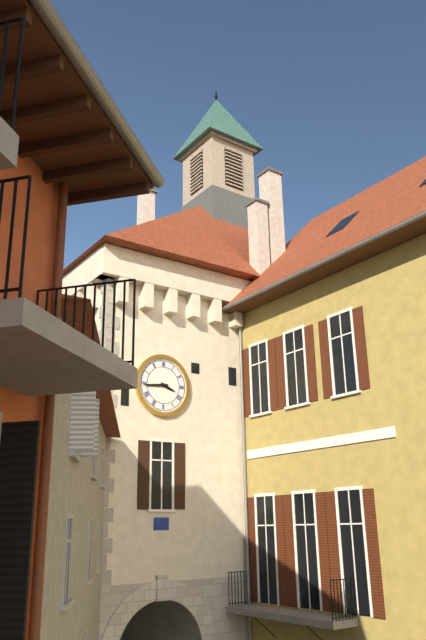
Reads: 3 h 44 min
